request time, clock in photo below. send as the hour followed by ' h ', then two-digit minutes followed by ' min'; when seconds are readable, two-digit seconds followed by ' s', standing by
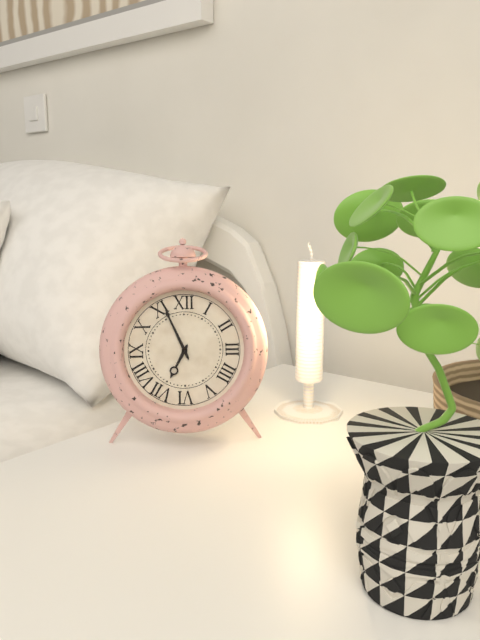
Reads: 6 h 56 min
